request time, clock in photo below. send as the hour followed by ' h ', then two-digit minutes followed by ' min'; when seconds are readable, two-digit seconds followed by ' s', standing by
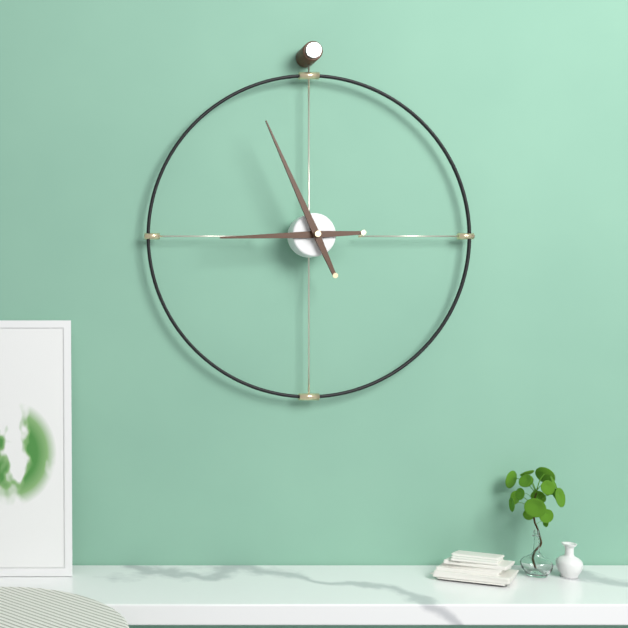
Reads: 8 h 56 min
